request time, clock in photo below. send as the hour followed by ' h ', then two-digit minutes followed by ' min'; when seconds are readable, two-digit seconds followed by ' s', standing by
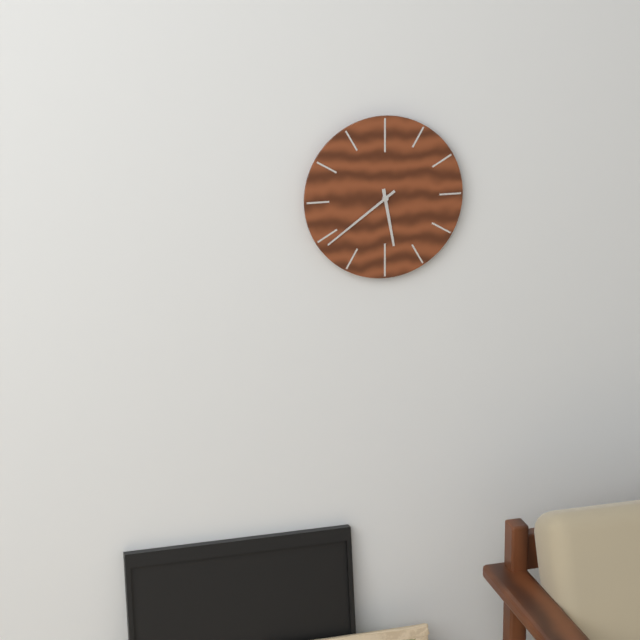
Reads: 5 h 39 min
